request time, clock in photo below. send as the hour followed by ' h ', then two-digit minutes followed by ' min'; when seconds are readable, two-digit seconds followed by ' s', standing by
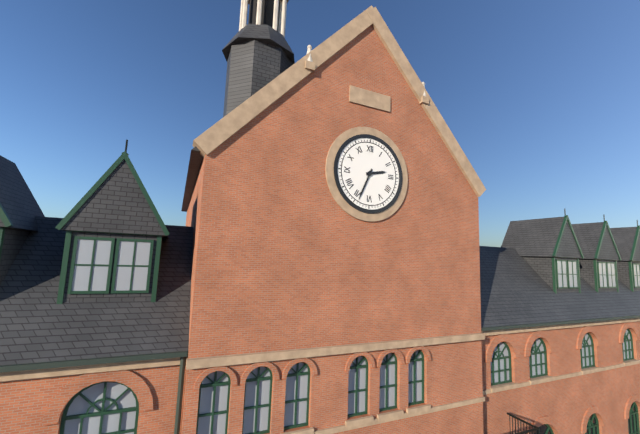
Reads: 2 h 34 min
